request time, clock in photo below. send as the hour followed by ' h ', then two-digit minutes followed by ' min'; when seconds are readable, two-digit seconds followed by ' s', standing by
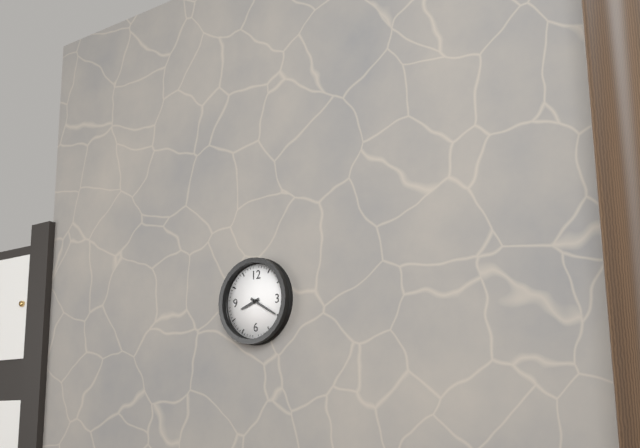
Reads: 8 h 20 min
